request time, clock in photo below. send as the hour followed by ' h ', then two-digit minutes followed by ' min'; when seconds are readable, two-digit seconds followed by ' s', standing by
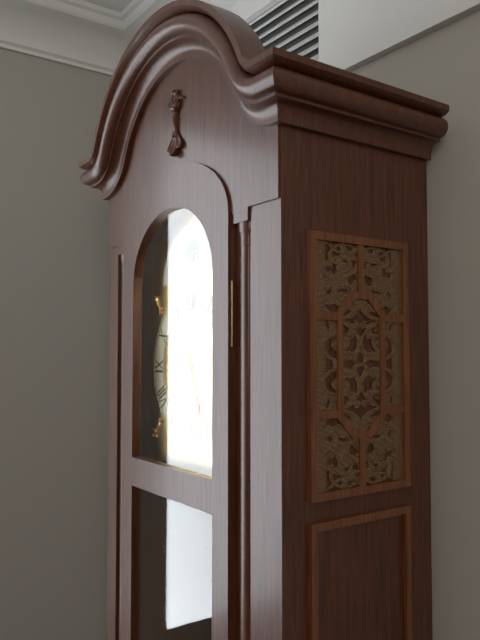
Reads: 5 h 27 min
